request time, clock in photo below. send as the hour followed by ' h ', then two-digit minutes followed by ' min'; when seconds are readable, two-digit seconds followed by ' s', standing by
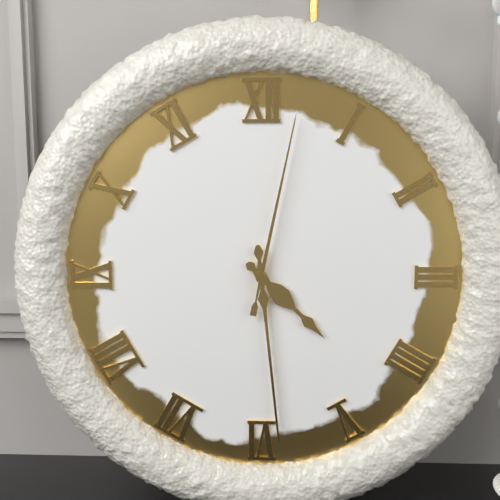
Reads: 4 h 29 min 02 s
